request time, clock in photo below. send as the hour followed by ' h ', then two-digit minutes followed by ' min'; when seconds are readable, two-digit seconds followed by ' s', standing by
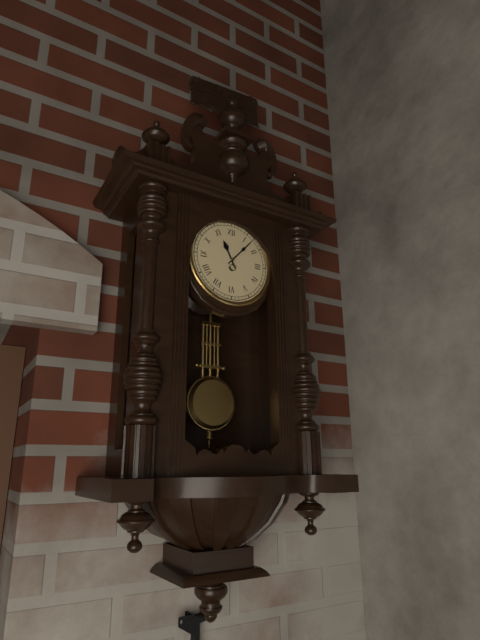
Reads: 11 h 07 min
